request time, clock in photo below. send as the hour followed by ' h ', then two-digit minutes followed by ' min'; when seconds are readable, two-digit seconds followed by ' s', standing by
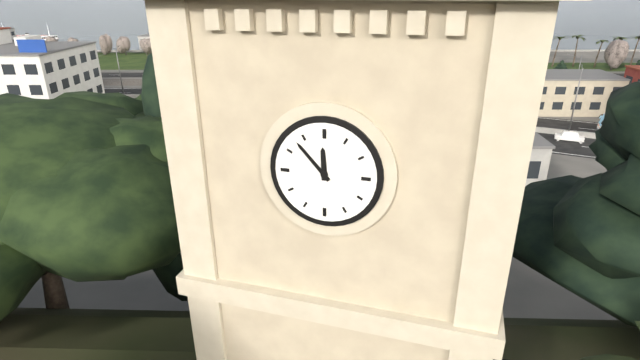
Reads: 11 h 53 min
